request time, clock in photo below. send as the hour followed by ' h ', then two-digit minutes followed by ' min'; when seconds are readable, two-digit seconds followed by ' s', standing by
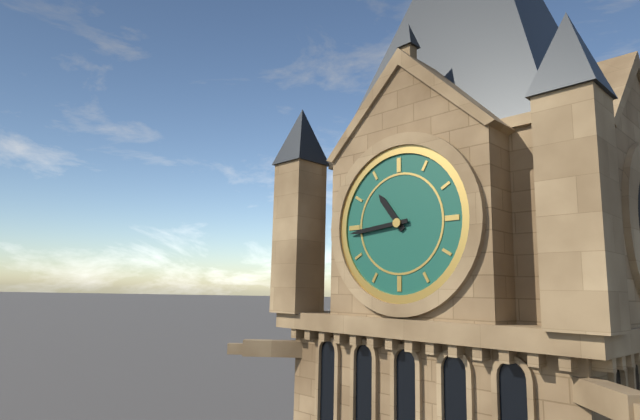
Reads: 10 h 44 min
